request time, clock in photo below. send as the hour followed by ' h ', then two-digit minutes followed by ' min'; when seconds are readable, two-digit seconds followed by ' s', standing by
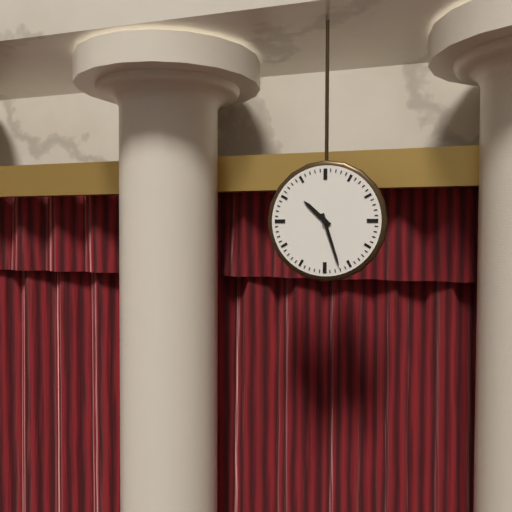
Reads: 10 h 27 min
